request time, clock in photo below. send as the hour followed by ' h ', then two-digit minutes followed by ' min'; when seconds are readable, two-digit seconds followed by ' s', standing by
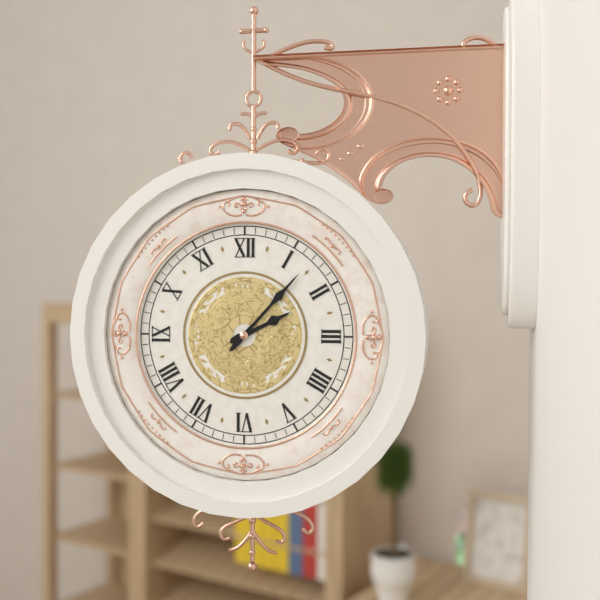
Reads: 2 h 07 min
